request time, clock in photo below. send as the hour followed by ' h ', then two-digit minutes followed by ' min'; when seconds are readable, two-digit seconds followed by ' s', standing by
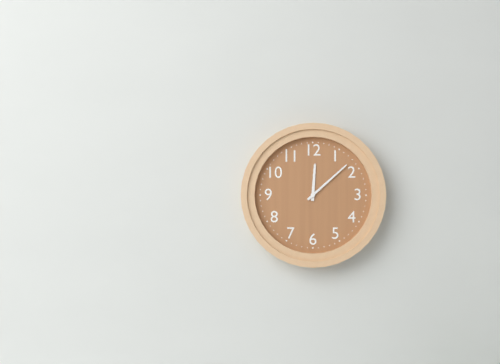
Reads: 12 h 08 min
